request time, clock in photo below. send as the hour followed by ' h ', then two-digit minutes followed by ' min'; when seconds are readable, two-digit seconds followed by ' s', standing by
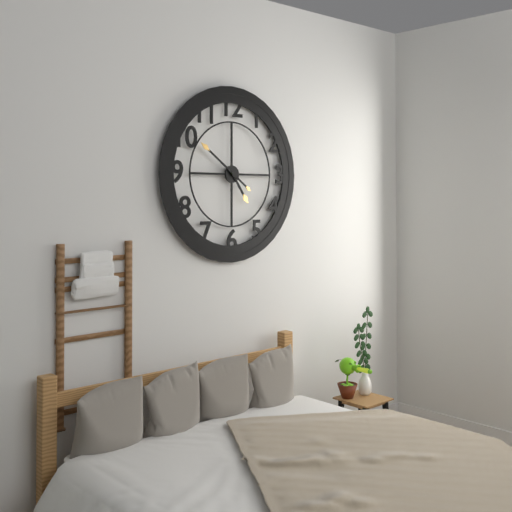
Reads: 4 h 51 min
